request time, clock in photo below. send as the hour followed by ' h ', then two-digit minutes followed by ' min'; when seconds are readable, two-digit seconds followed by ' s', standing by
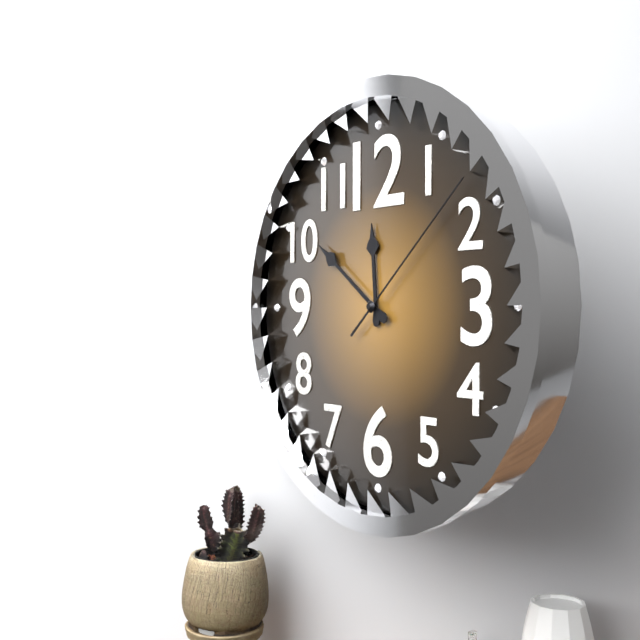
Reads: 11 h 51 min 08 s
